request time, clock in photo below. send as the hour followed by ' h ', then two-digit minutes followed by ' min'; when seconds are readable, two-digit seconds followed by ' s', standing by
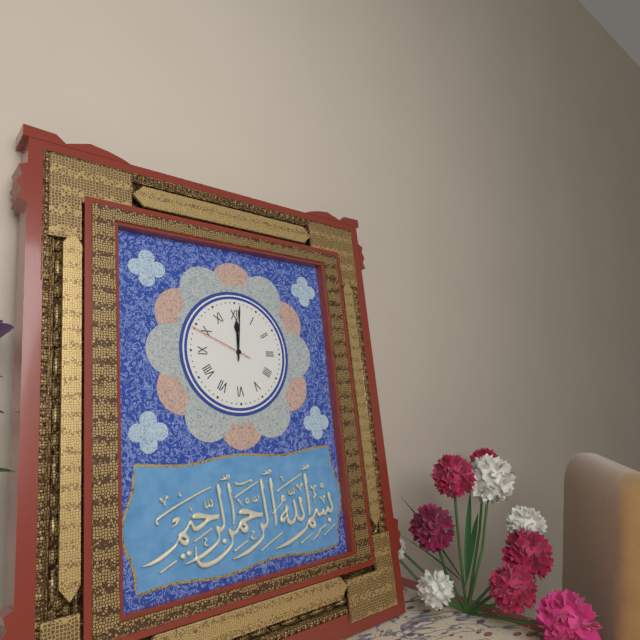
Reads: 12 h 01 min 49 s
